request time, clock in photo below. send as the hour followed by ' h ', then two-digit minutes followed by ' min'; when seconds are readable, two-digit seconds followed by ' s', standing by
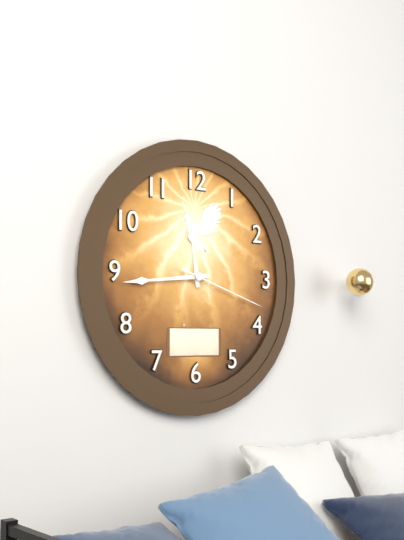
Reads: 11 h 44 min 18 s
